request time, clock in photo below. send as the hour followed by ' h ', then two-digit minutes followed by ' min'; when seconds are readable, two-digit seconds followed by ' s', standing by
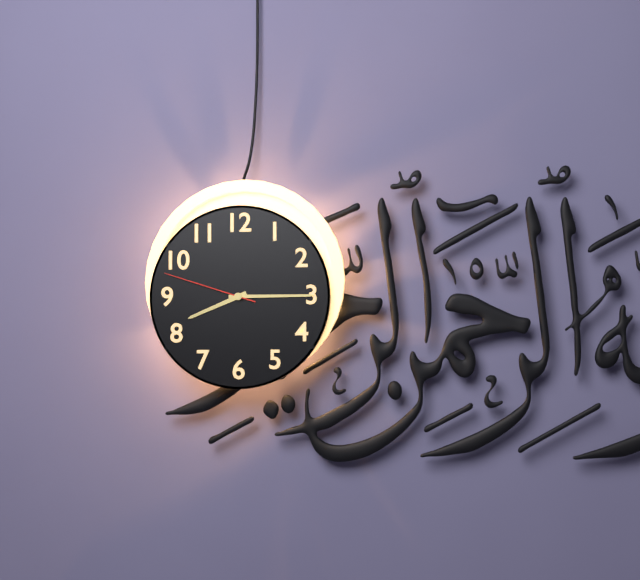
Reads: 8 h 15 min 48 s
